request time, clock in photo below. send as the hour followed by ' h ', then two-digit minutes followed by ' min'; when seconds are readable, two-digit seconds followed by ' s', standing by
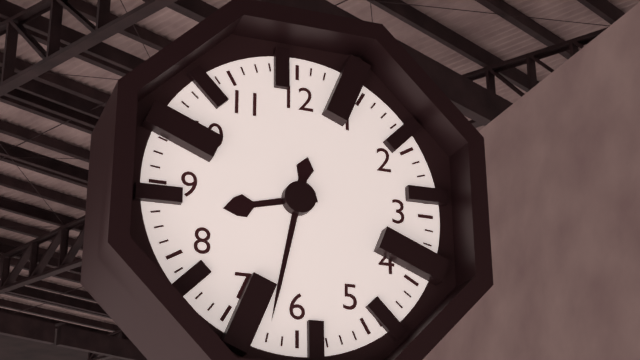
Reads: 8 h 32 min
